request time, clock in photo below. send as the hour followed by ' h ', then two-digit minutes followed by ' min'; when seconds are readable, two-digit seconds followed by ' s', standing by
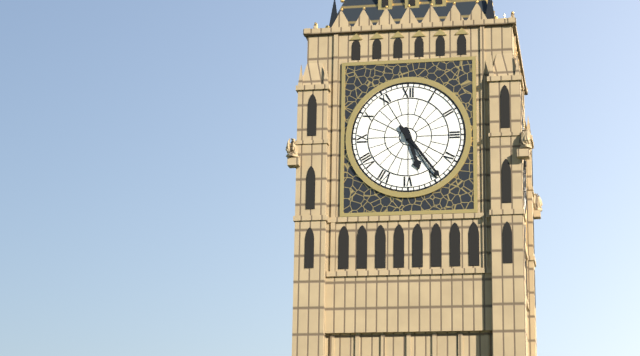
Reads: 5 h 24 min
